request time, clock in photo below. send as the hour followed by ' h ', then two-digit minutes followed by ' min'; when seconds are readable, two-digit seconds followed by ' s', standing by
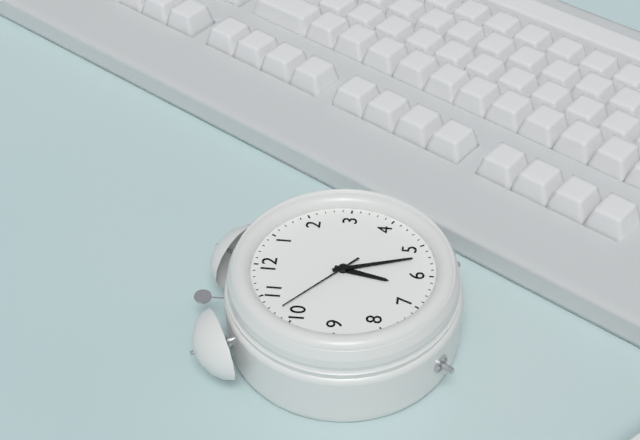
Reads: 6 h 27 min 52 s
